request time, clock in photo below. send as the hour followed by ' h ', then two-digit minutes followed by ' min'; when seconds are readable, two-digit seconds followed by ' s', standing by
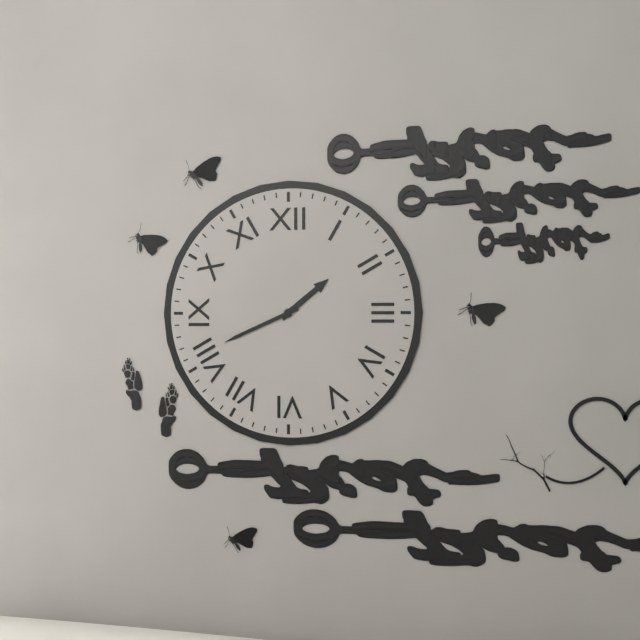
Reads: 1 h 41 min
